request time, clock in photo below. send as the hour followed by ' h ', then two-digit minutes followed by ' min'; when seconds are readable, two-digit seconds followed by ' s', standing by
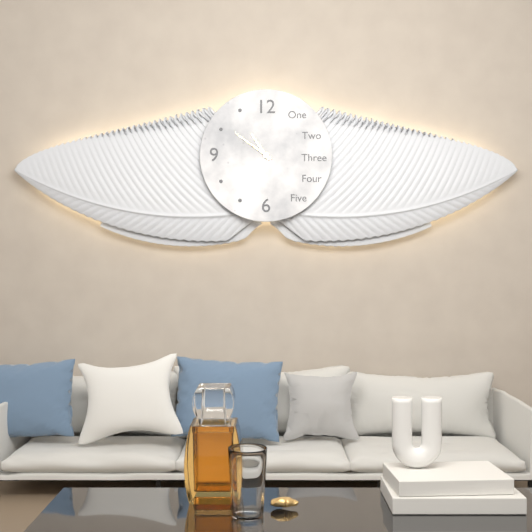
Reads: 10 h 51 min
